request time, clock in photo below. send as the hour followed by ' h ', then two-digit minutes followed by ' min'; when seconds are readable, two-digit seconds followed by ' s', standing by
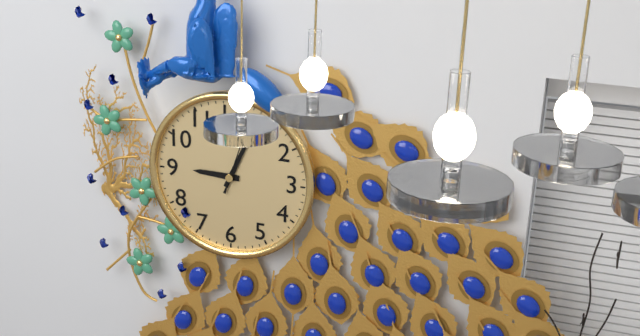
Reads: 9 h 04 min 03 s
